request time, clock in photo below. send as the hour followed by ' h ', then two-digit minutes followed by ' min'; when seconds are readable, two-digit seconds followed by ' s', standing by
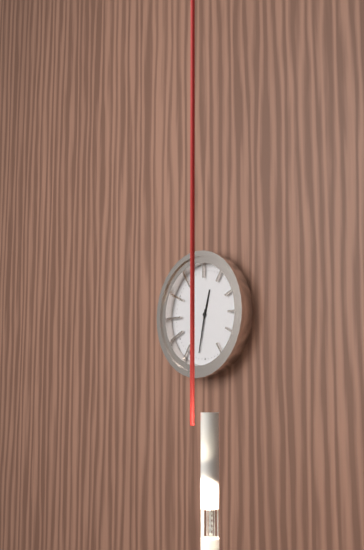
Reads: 12 h 32 min
